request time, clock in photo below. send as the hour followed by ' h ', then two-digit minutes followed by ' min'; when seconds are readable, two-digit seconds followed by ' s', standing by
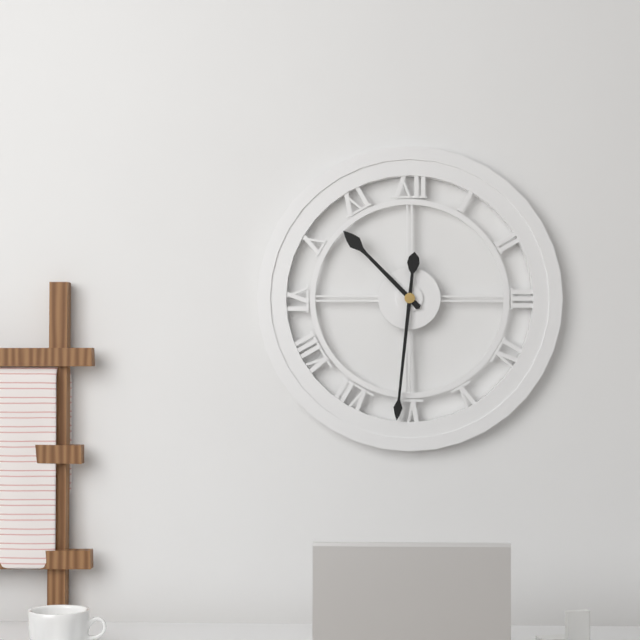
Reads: 10 h 31 min
